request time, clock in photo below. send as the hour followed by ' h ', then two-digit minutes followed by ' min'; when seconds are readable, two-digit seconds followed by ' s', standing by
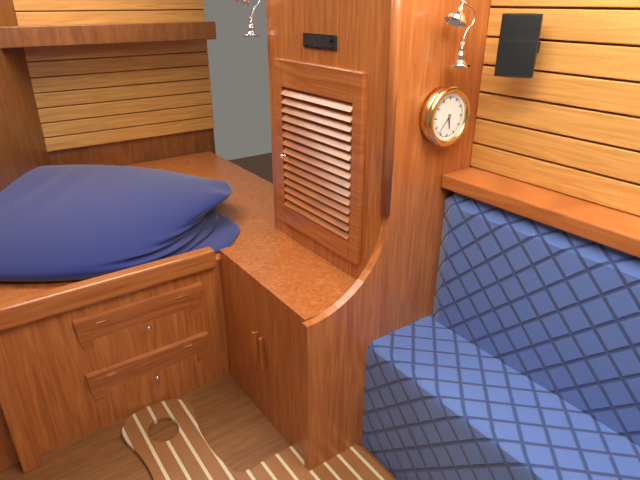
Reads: 5 h 37 min
